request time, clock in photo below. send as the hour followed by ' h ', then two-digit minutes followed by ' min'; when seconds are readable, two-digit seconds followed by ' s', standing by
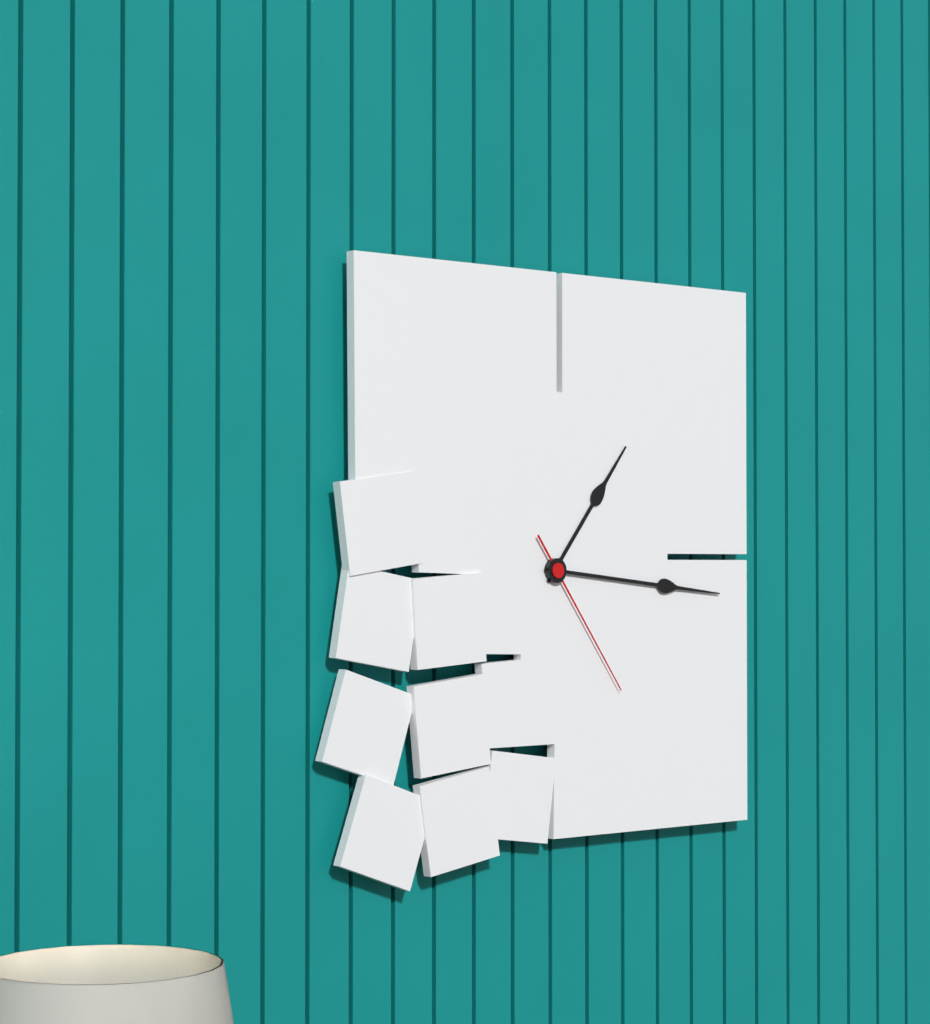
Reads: 1 h 16 min 24 s
